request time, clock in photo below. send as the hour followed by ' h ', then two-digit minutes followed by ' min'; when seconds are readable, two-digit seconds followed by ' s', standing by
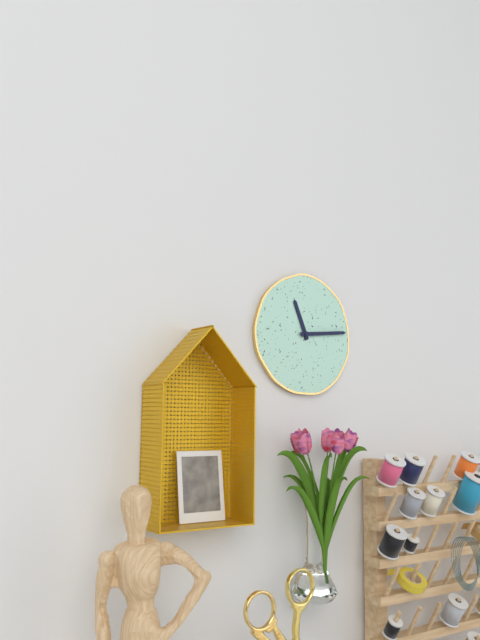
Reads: 11 h 14 min
